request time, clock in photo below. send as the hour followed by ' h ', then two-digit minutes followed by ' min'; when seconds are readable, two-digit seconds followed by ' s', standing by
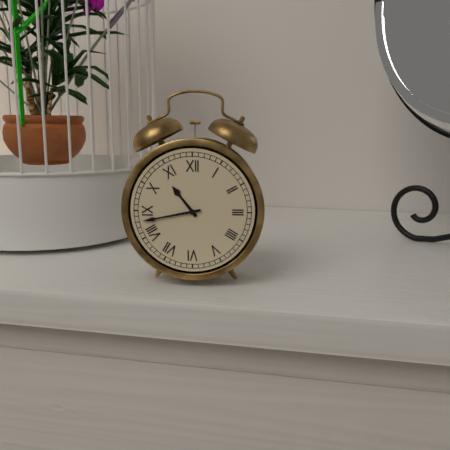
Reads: 10 h 43 min
